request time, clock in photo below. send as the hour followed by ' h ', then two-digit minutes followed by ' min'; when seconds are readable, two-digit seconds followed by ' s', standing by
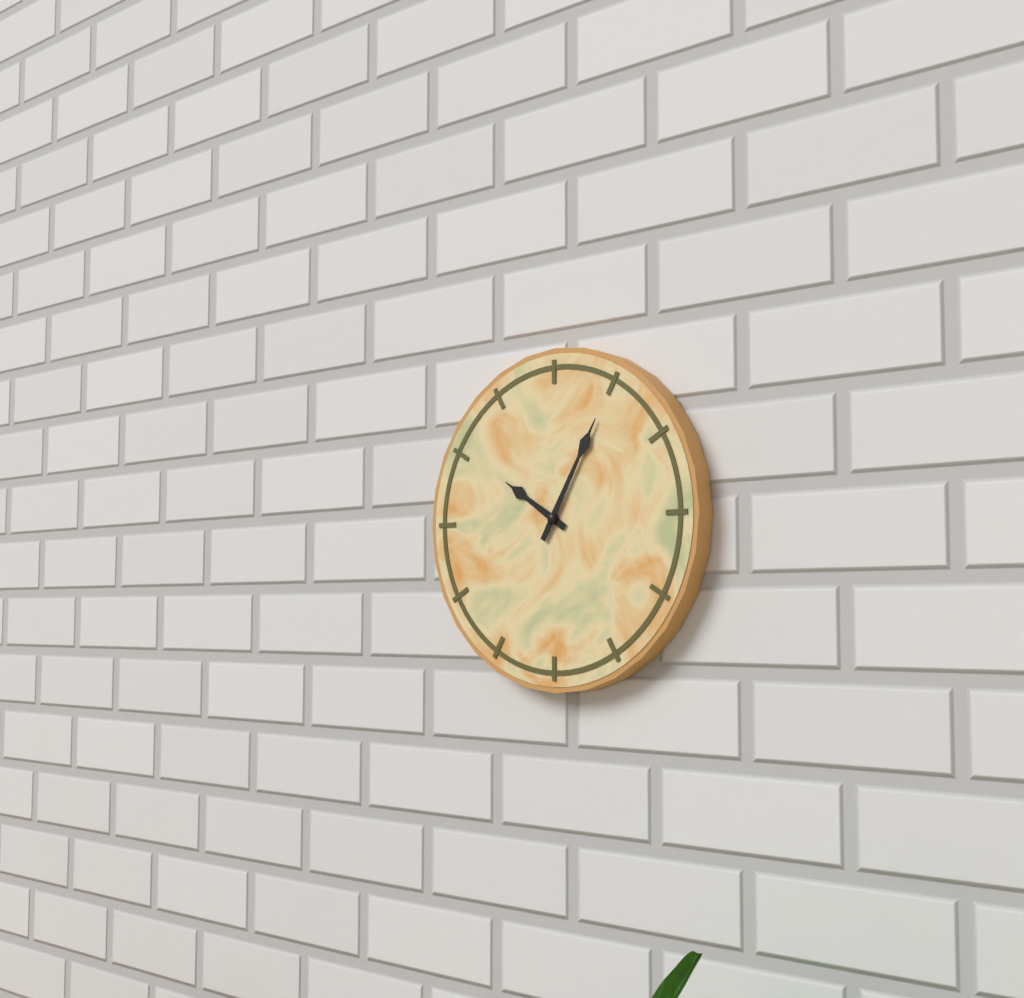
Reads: 10 h 05 min
